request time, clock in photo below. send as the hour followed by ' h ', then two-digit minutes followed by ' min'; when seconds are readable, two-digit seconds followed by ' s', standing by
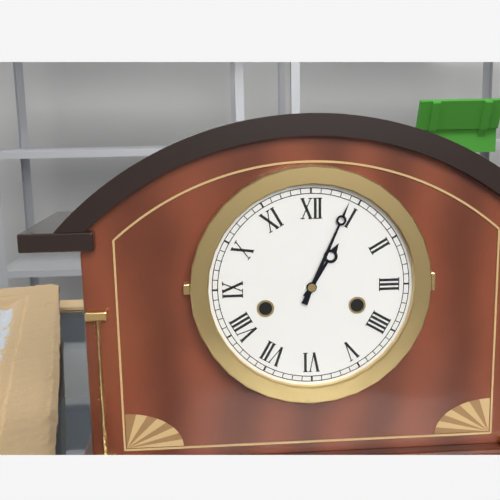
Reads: 1 h 04 min
